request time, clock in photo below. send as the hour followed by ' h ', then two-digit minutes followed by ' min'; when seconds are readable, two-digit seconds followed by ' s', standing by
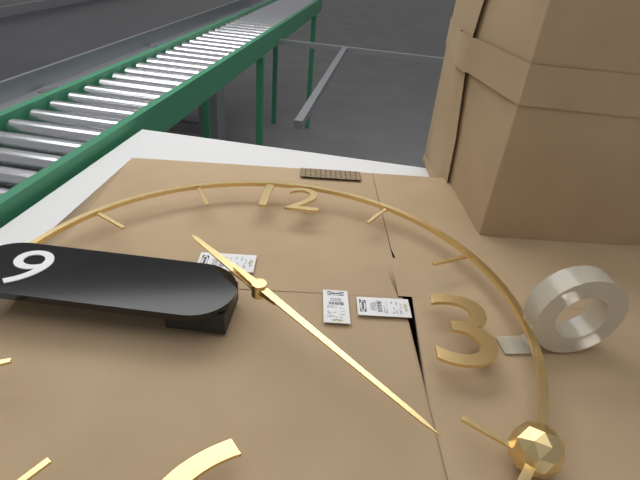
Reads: 10 h 22 min
